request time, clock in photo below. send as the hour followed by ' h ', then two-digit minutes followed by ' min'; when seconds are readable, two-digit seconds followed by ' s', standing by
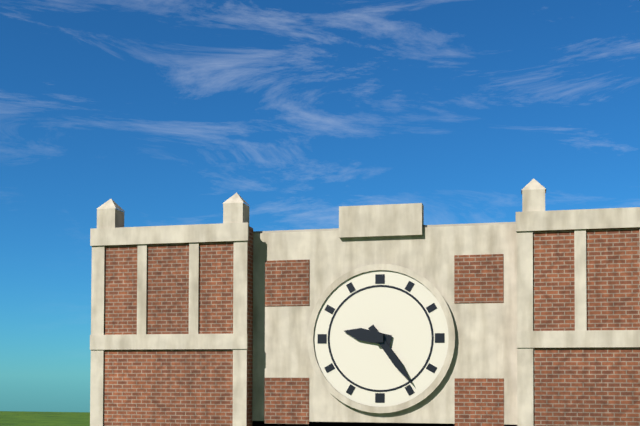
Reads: 9 h 24 min
